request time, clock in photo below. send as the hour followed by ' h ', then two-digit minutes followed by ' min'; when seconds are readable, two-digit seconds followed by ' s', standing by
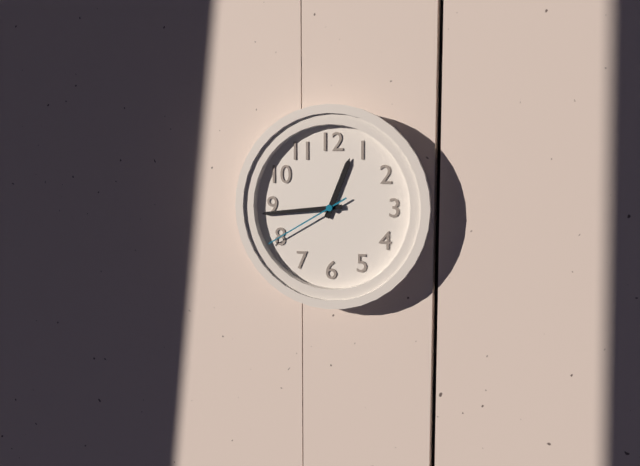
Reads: 12 h 44 min 40 s
